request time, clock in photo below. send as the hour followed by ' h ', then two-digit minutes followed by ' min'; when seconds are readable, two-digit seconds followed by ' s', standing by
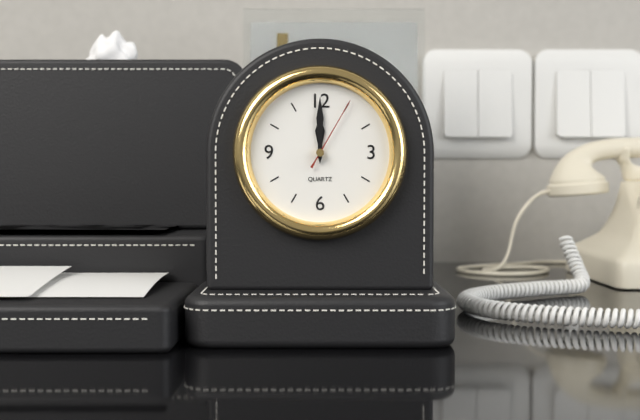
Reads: 12 h 00 min 05 s
